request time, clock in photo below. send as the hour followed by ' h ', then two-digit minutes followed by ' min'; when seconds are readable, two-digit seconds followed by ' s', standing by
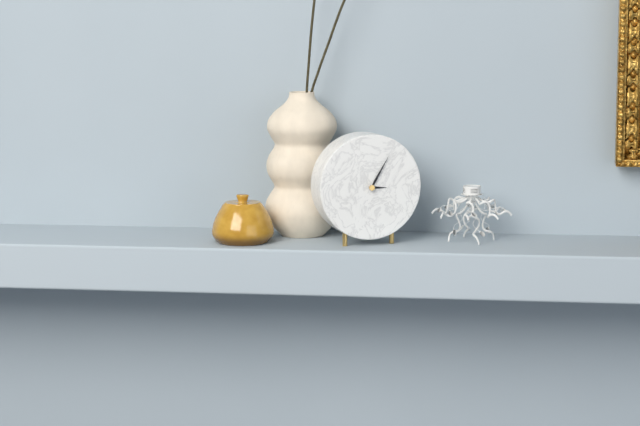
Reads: 3 h 05 min
